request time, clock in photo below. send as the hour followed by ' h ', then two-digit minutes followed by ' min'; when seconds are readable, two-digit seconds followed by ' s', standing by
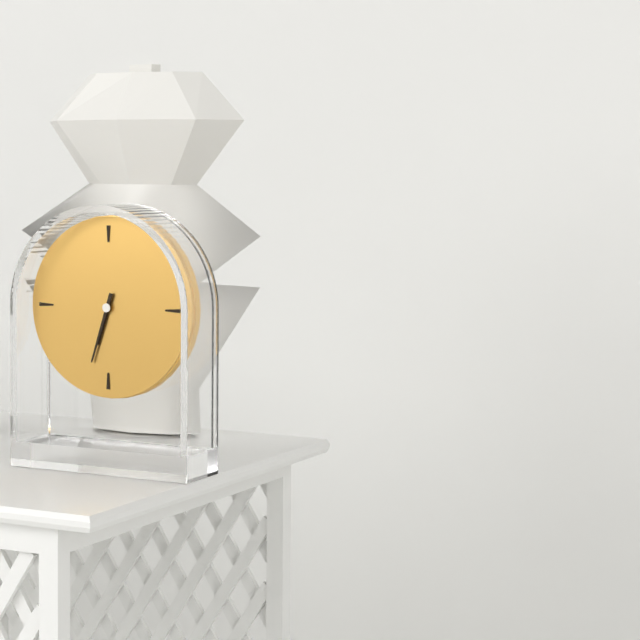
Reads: 6 h 33 min
